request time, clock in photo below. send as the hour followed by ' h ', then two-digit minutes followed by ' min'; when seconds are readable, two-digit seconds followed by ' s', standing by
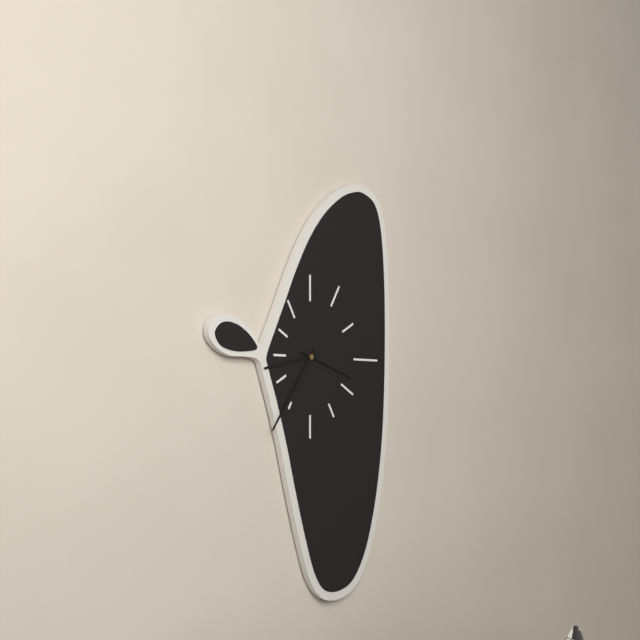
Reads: 8 h 36 min 18 s
